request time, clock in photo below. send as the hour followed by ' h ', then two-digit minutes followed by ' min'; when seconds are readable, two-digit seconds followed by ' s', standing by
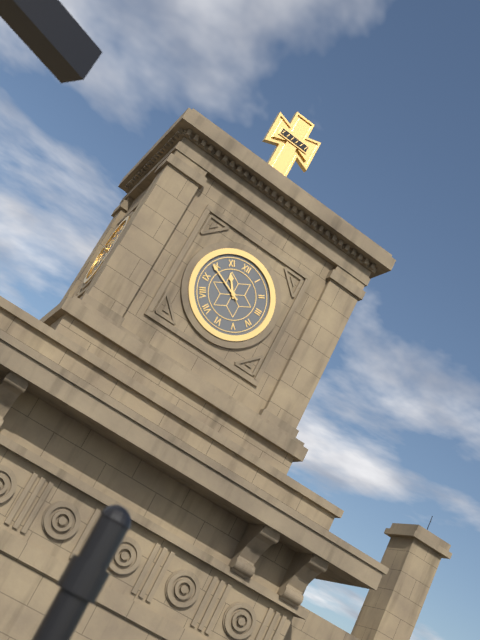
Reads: 10 h 49 min
